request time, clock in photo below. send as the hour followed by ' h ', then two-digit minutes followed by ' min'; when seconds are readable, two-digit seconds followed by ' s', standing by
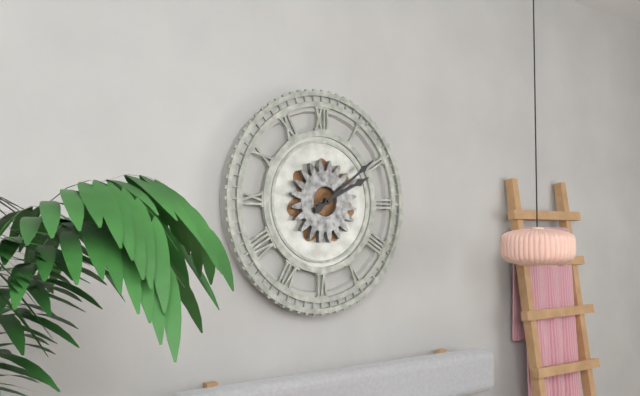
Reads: 2 h 09 min
